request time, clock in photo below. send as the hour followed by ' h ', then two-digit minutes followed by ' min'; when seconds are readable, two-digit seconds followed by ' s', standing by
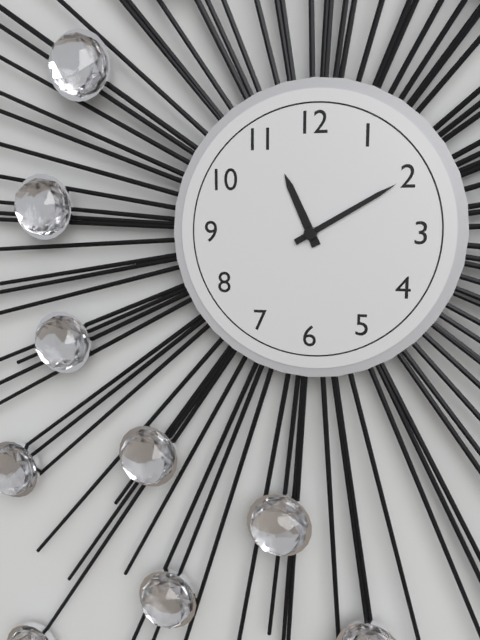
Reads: 11 h 10 min
